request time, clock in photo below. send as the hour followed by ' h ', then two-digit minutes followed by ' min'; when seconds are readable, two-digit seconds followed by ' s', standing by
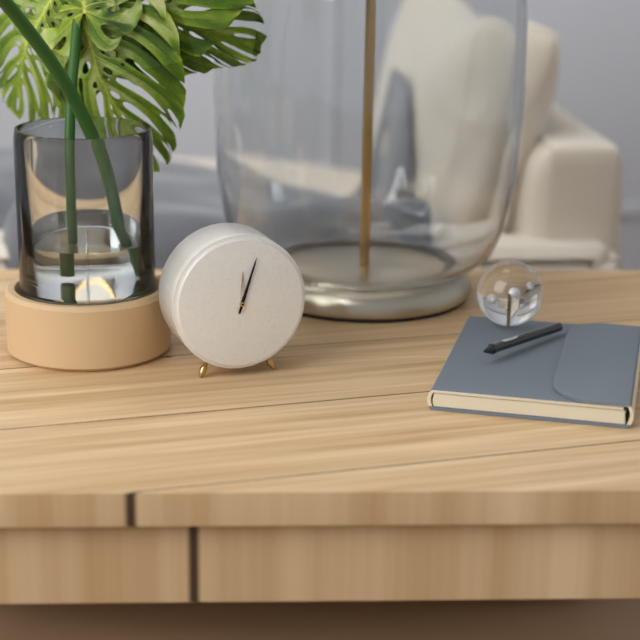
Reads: 12 h 03 min
